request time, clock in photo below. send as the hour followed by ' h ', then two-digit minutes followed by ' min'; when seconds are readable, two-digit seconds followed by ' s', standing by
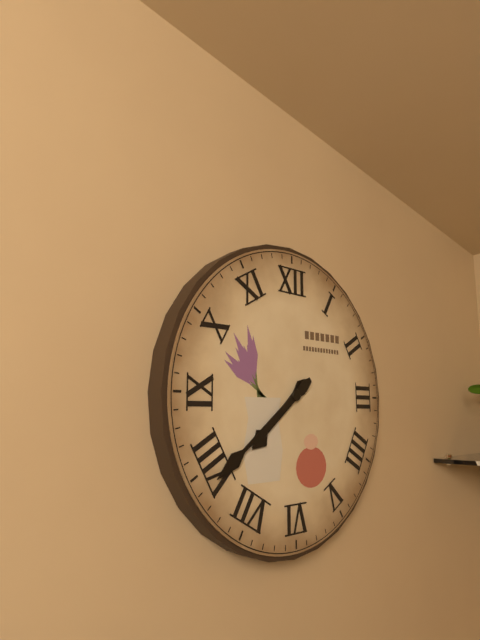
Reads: 7 h 39 min
